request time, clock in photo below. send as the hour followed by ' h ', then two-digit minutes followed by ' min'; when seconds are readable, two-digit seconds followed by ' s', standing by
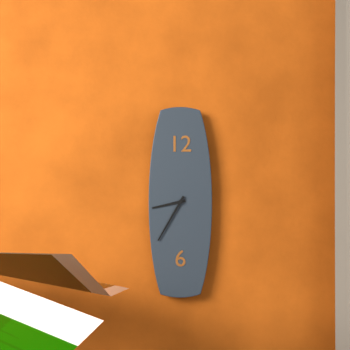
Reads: 8 h 35 min
